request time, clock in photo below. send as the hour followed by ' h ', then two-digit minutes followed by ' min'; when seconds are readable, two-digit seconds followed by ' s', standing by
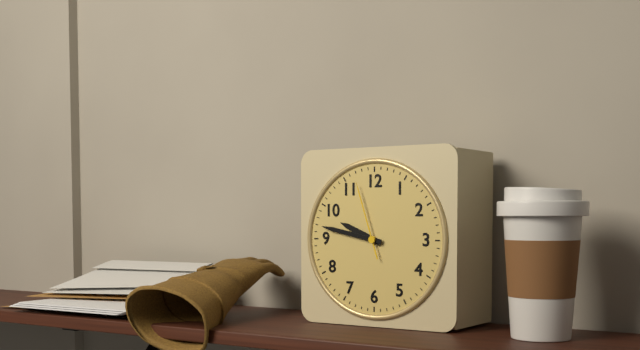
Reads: 9 h 47 min 57 s
